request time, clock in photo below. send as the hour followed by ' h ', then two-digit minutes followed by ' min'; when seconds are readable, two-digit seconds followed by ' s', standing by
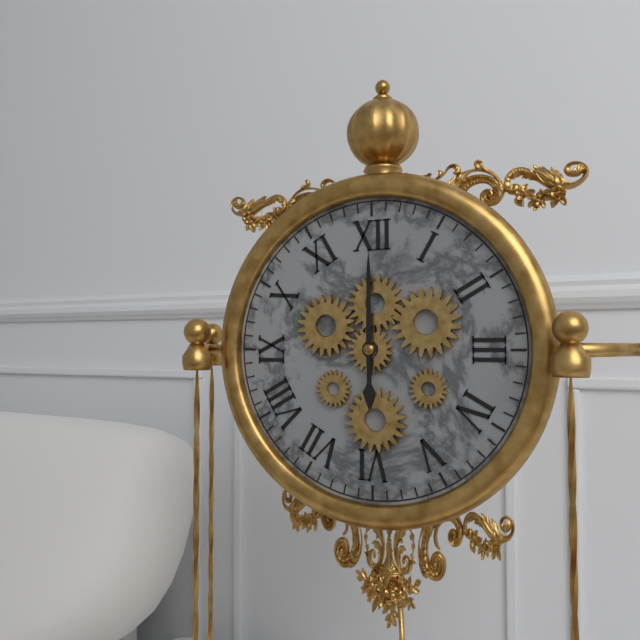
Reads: 6 h 00 min
